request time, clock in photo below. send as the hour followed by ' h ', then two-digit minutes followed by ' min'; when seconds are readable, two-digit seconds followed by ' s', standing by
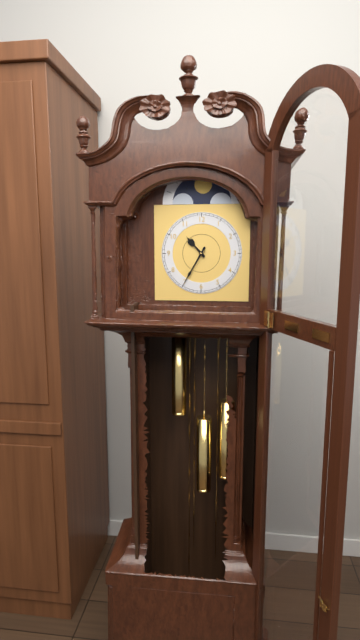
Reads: 10 h 35 min
